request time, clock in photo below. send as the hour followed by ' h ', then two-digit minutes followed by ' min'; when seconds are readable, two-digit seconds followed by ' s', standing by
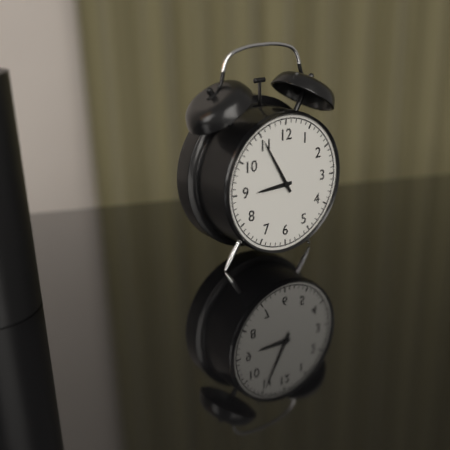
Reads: 8 h 55 min
